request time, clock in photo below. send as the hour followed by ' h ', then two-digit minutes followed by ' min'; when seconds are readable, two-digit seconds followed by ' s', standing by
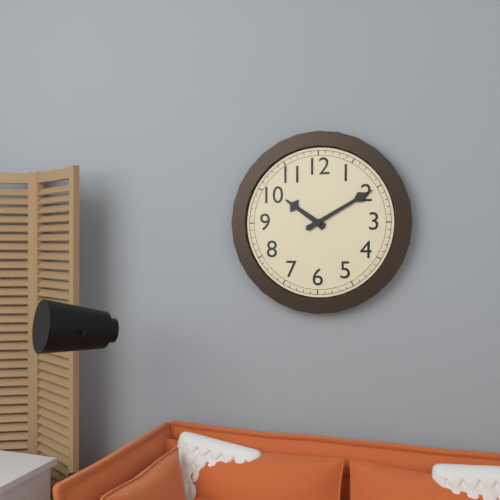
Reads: 10 h 10 min
